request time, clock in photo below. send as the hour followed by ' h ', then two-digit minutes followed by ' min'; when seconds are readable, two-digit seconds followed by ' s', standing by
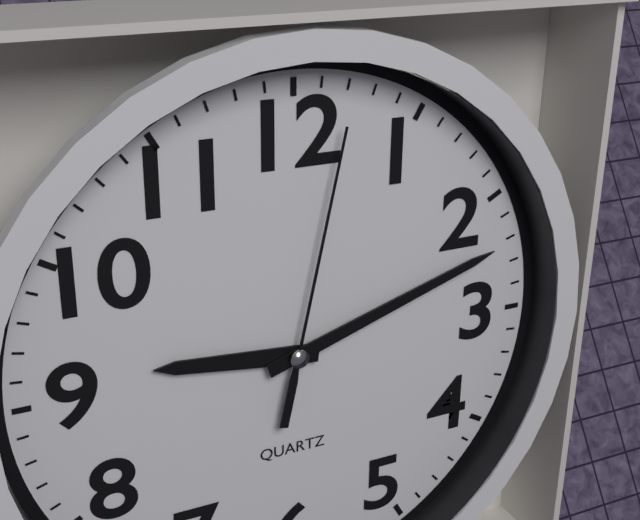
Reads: 9 h 12 min 02 s
